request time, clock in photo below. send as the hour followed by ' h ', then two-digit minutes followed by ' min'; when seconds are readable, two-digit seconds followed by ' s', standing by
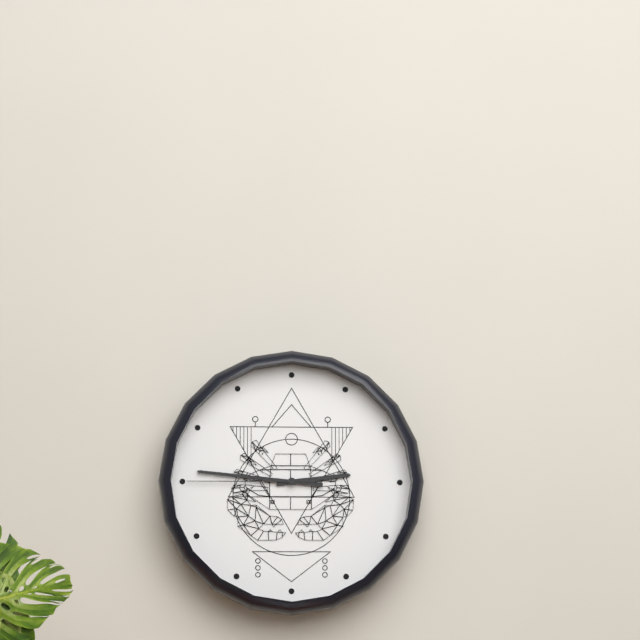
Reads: 2 h 46 min 45 s
